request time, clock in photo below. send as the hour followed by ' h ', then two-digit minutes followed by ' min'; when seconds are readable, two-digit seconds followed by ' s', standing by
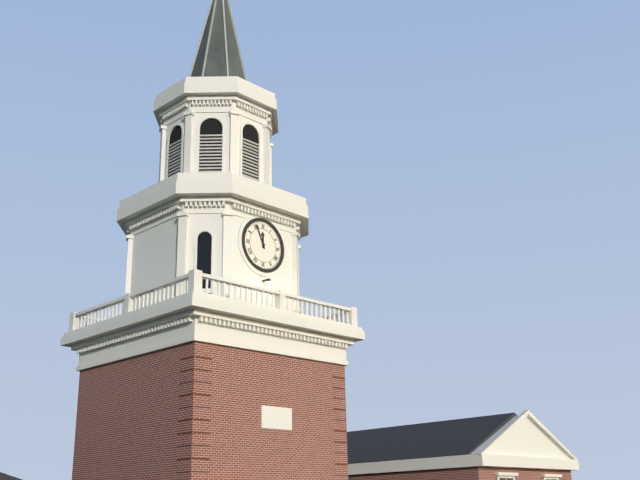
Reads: 11 h 56 min
